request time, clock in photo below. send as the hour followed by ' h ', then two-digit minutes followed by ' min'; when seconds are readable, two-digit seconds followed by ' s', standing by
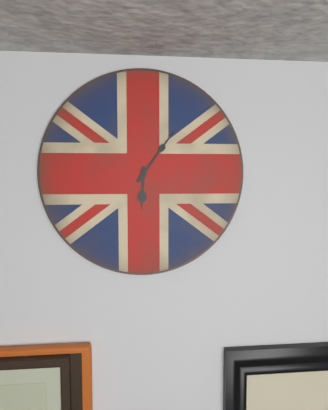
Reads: 6 h 06 min
